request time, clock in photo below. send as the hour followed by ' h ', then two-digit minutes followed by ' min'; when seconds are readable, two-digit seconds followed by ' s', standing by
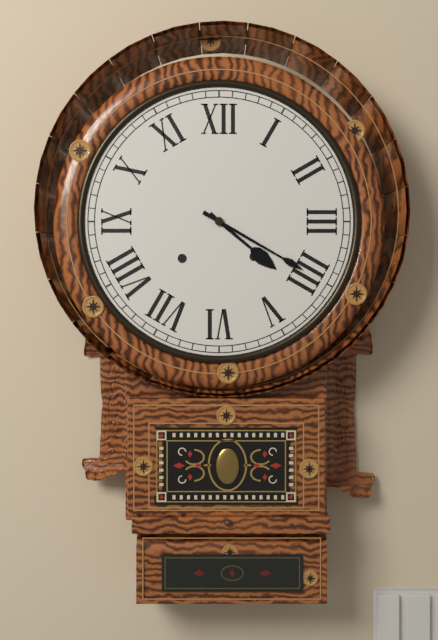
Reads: 4 h 20 min
